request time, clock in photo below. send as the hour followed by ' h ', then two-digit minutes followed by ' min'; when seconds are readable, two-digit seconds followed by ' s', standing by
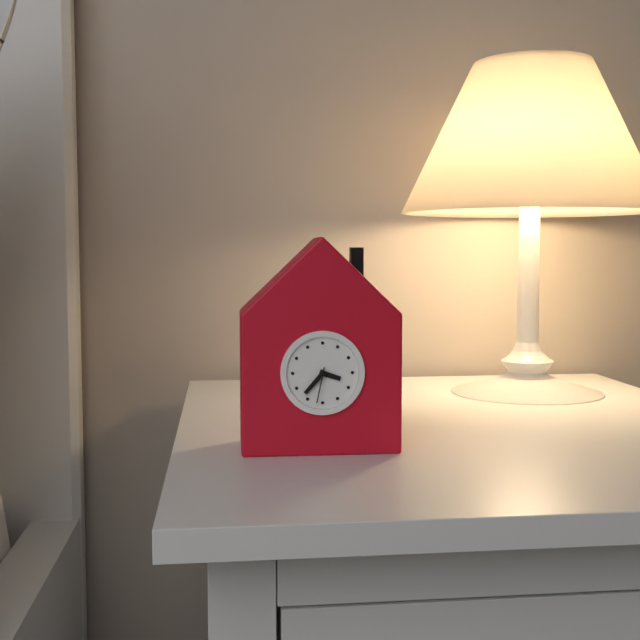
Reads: 3 h 37 min
